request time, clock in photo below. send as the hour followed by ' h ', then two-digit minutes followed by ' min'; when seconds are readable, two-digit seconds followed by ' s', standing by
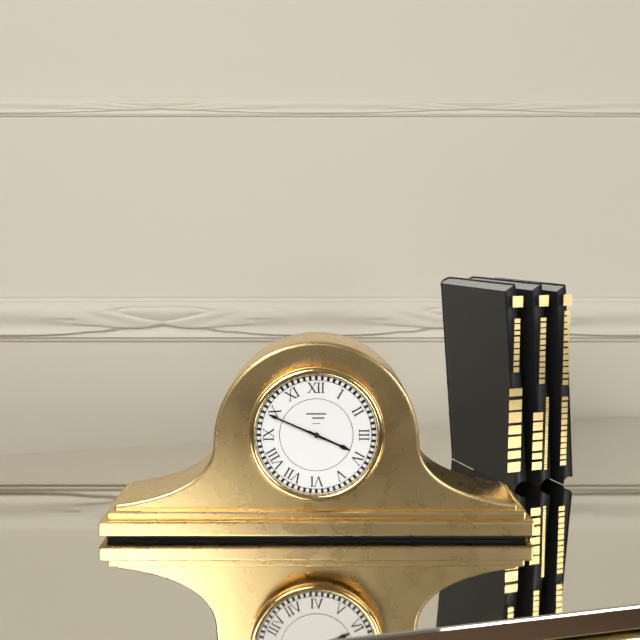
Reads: 3 h 49 min
